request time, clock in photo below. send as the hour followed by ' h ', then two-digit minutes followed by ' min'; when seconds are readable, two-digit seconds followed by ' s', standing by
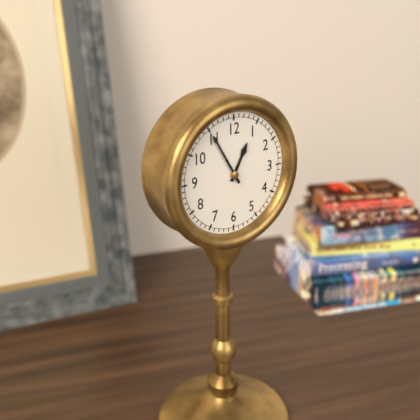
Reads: 12 h 55 min
